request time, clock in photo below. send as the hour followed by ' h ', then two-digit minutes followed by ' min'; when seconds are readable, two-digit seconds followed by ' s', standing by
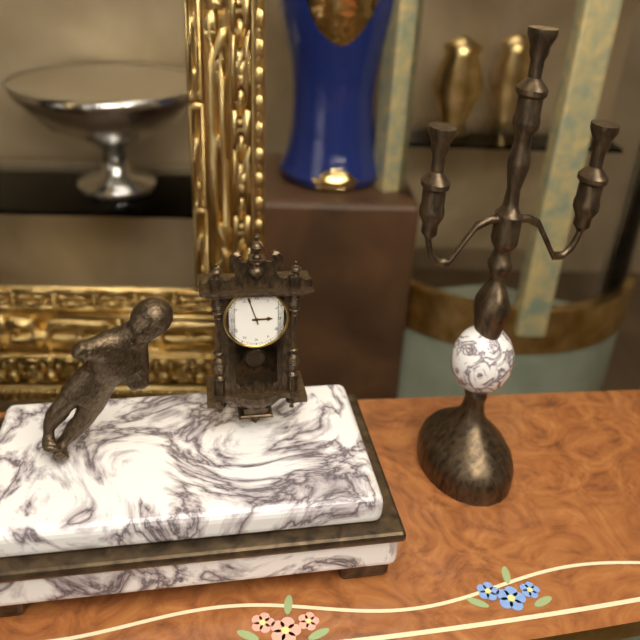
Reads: 2 h 57 min
